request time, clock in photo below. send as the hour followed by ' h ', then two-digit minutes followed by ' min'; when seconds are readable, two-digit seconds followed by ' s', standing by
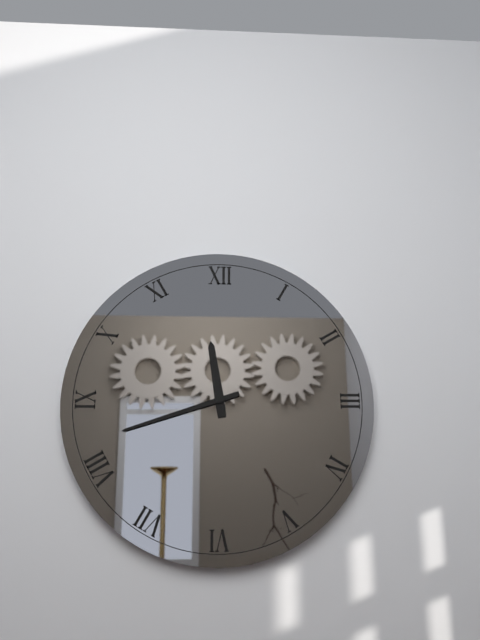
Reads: 11 h 42 min
